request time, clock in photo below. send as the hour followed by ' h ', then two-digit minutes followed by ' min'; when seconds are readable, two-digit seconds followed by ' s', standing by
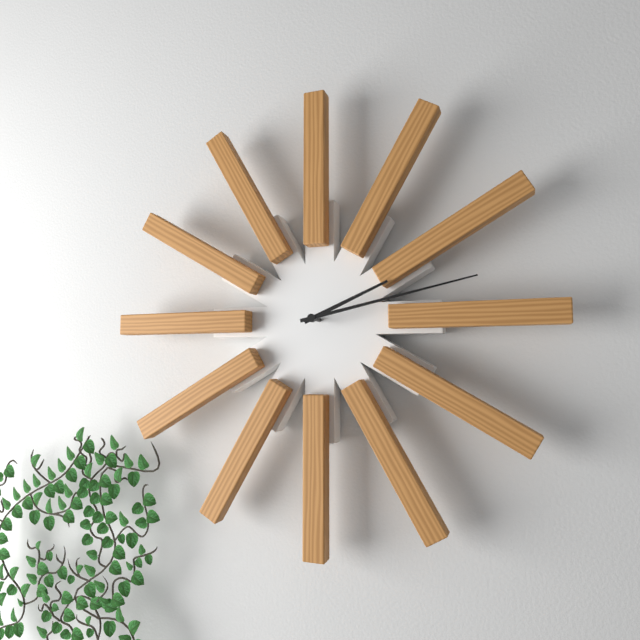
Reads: 2 h 13 min
